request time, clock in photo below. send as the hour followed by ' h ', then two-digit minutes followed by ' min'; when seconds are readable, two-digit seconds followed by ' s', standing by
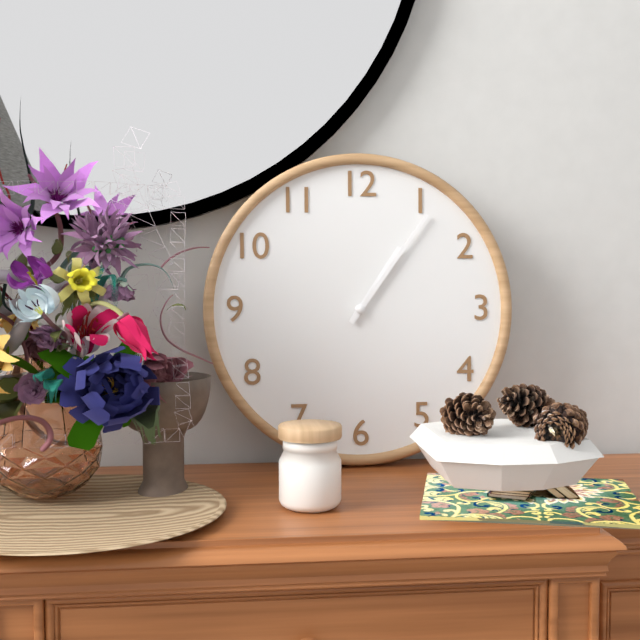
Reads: 1 h 06 min
